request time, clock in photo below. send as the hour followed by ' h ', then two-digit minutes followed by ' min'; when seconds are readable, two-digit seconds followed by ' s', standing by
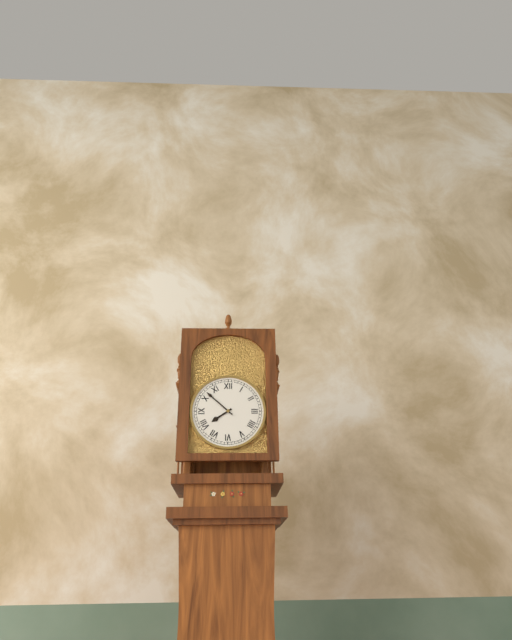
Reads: 7 h 52 min
